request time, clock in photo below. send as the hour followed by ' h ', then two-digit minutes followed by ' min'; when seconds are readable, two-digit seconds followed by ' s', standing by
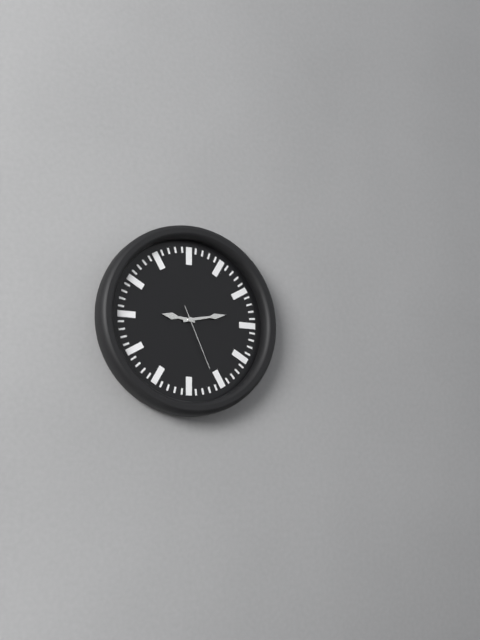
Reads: 9 h 13 min 26 s
